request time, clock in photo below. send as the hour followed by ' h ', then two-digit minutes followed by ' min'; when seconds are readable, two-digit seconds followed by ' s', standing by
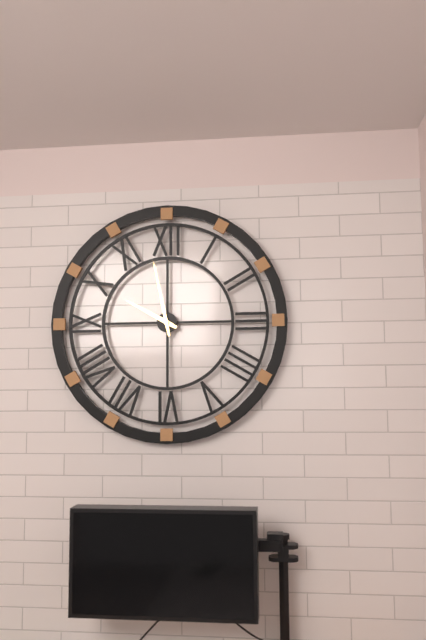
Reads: 9 h 58 min
